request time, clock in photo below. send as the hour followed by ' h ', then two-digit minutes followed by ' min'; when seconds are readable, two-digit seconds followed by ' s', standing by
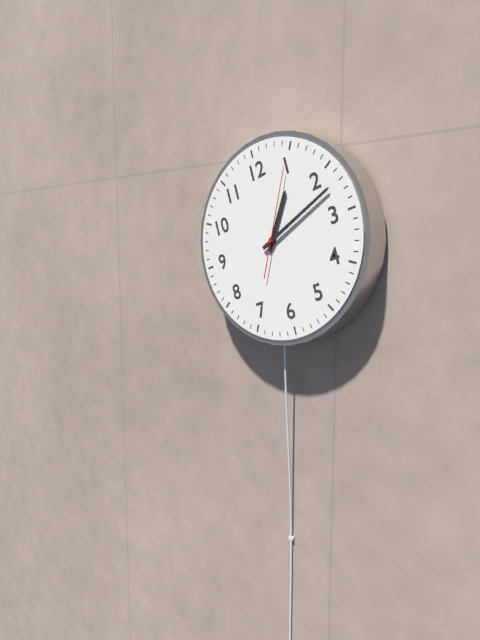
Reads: 1 h 12 min 05 s
